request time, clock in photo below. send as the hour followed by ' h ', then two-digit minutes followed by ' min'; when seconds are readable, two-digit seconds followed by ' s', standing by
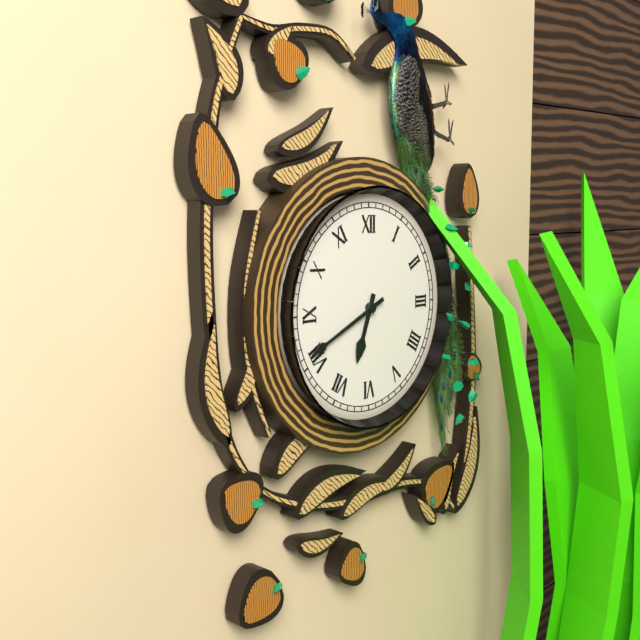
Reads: 6 h 41 min
